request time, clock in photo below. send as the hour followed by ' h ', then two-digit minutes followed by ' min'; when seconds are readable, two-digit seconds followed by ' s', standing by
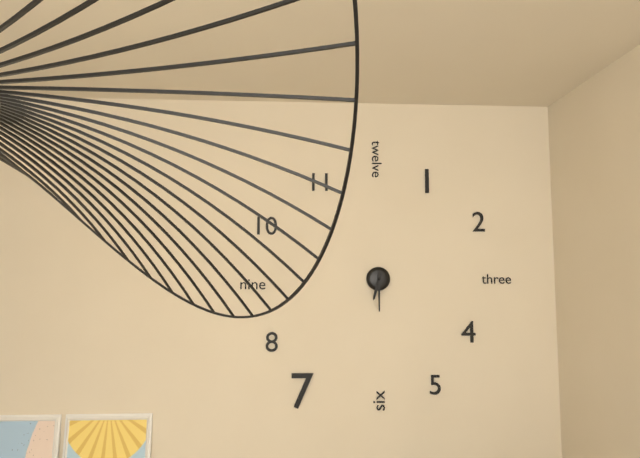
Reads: 6 h 30 min
